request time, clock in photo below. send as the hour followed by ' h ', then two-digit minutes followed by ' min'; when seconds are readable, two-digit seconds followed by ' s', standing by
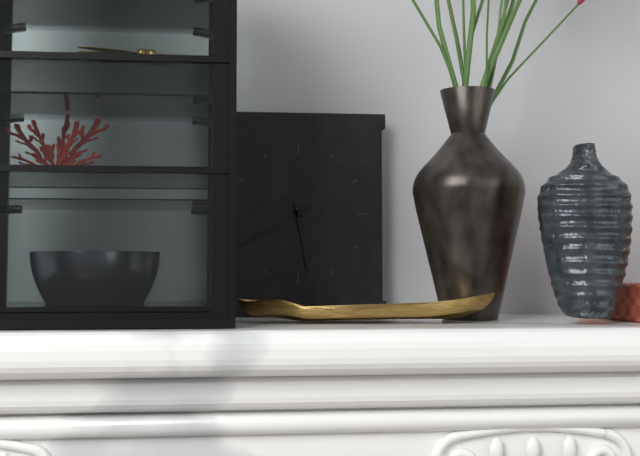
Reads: 5 h 40 min
